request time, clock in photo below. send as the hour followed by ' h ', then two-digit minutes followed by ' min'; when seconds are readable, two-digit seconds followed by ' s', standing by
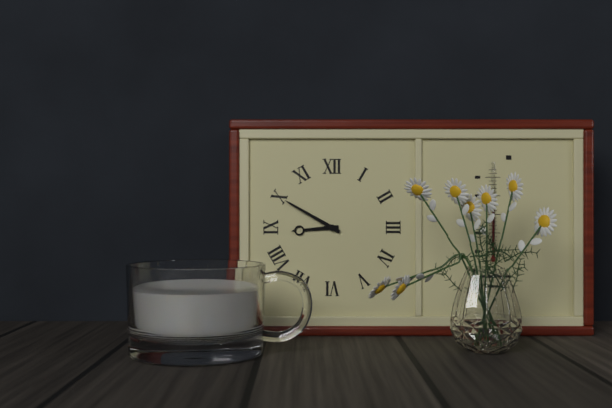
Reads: 8 h 50 min
